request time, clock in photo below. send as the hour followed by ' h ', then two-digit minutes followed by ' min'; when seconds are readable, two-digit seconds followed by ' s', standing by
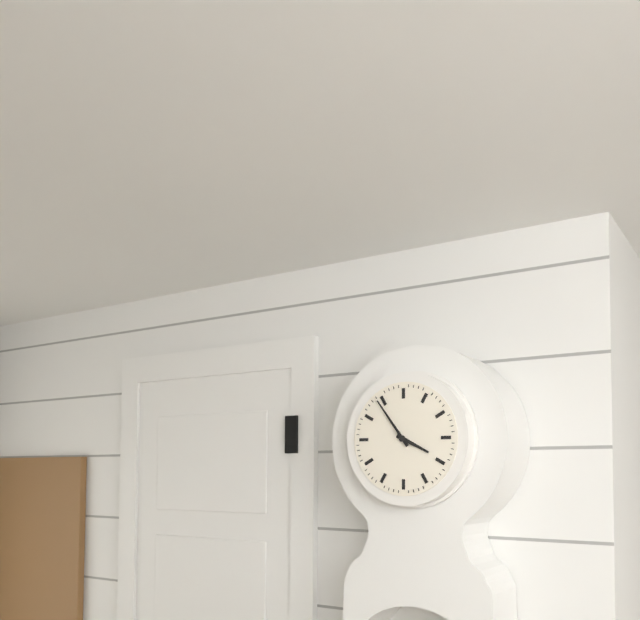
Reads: 3 h 54 min
